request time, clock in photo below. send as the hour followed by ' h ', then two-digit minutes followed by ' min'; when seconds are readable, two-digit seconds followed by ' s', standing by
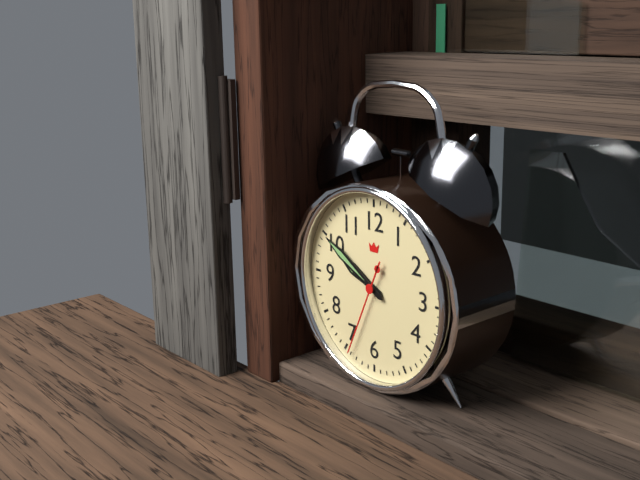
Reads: 9 h 50 min 34 s
